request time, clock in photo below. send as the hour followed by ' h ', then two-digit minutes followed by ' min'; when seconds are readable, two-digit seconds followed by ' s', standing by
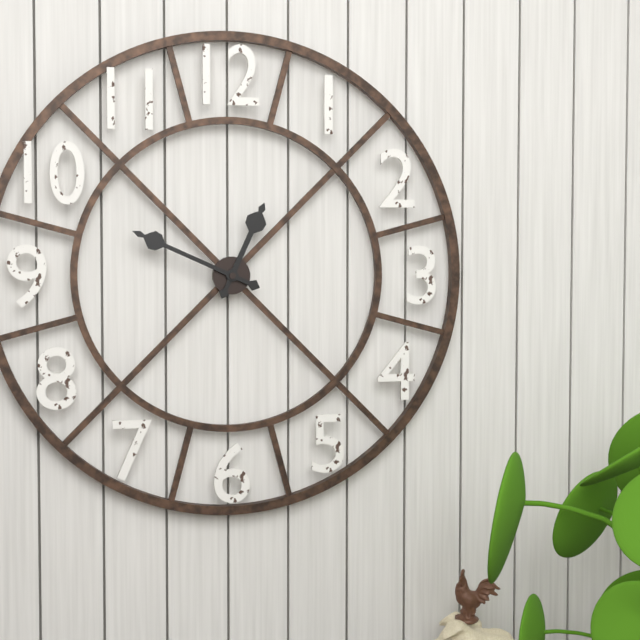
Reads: 12 h 49 min
